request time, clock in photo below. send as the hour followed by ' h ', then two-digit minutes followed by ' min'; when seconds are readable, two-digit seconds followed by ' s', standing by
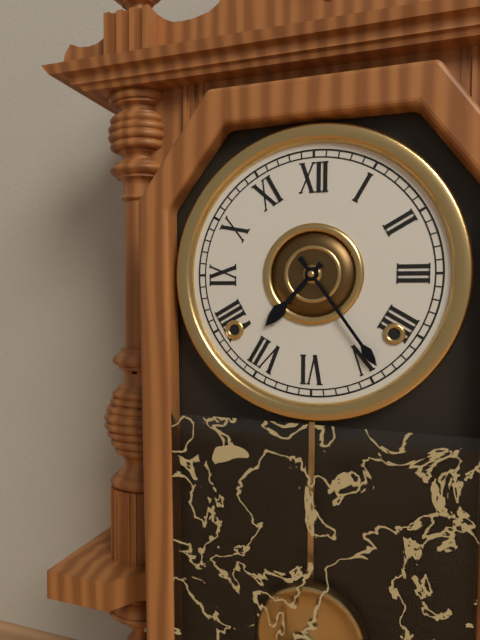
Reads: 7 h 24 min
